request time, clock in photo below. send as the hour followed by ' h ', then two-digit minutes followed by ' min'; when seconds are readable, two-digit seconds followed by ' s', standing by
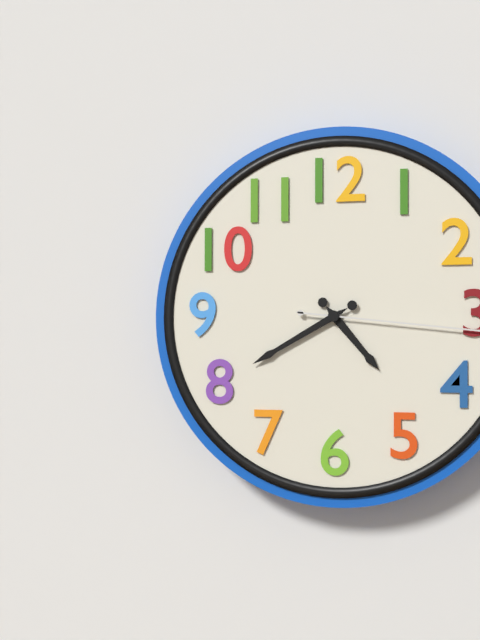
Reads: 4 h 40 min
